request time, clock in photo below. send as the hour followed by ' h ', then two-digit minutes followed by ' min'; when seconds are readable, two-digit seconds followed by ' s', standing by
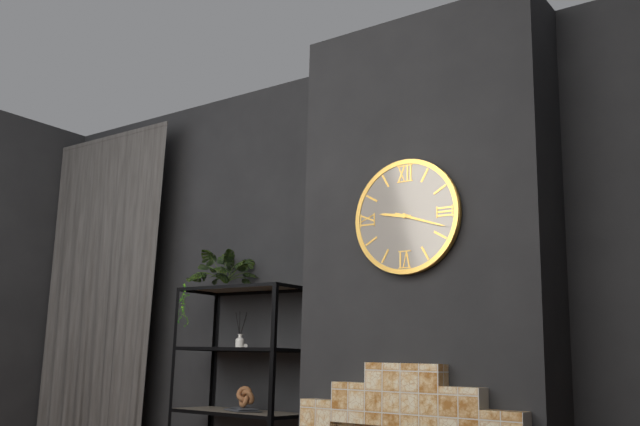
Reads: 9 h 18 min
